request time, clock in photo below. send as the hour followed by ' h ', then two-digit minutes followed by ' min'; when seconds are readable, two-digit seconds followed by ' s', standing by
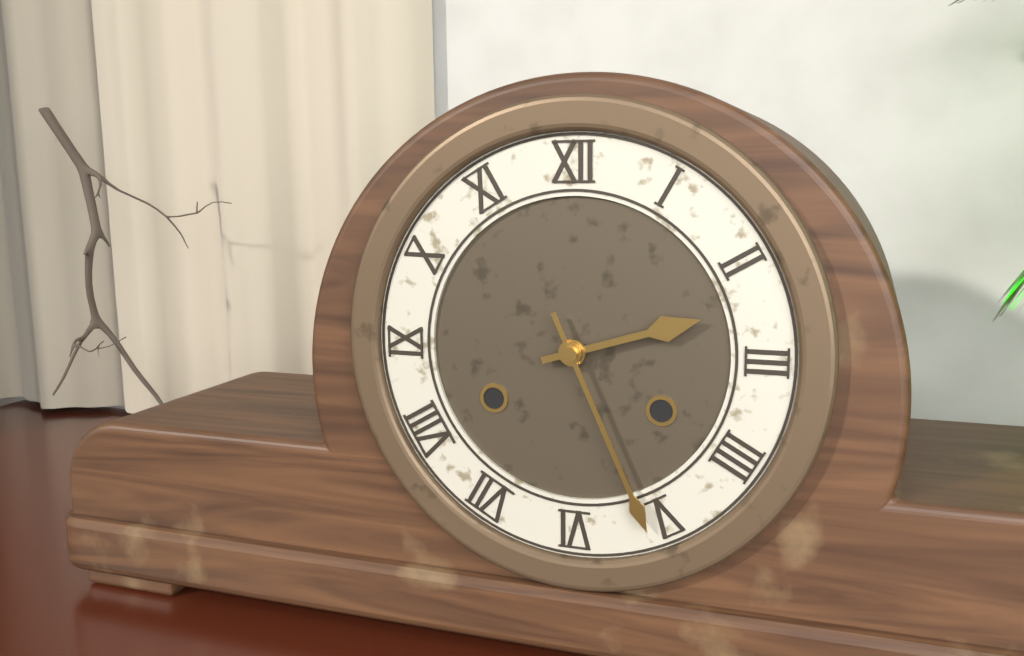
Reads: 2 h 26 min
